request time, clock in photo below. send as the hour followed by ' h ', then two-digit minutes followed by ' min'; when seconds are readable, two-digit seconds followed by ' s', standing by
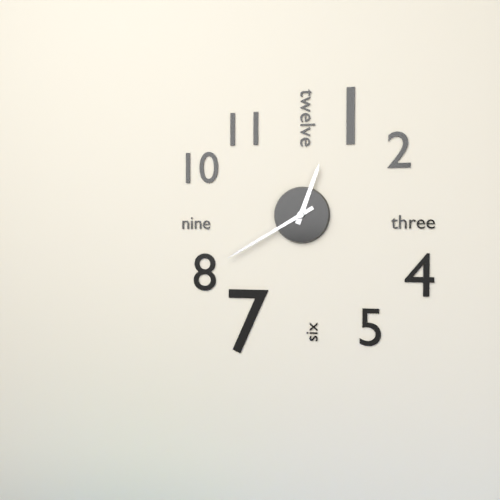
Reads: 12 h 40 min
